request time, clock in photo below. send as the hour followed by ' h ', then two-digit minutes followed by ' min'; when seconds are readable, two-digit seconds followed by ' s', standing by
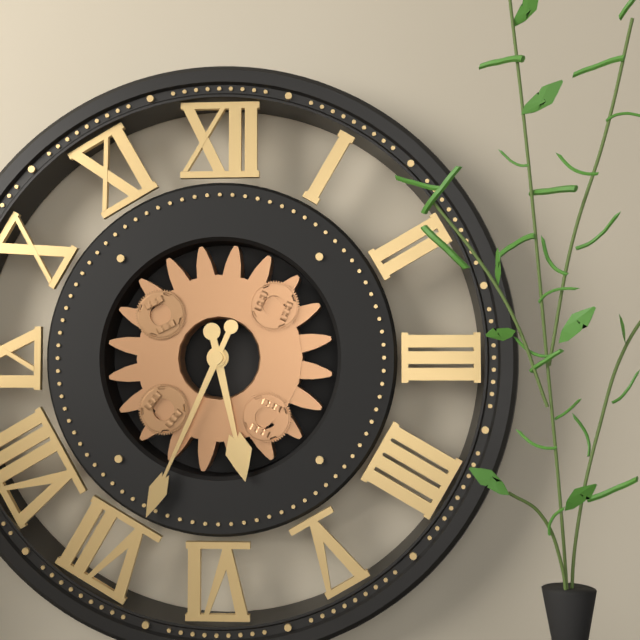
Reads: 5 h 34 min
